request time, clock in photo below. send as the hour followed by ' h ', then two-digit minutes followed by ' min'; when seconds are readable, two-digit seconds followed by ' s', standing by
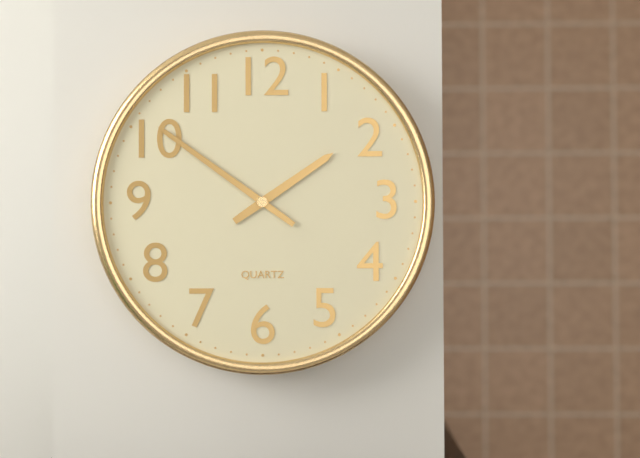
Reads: 1 h 51 min
